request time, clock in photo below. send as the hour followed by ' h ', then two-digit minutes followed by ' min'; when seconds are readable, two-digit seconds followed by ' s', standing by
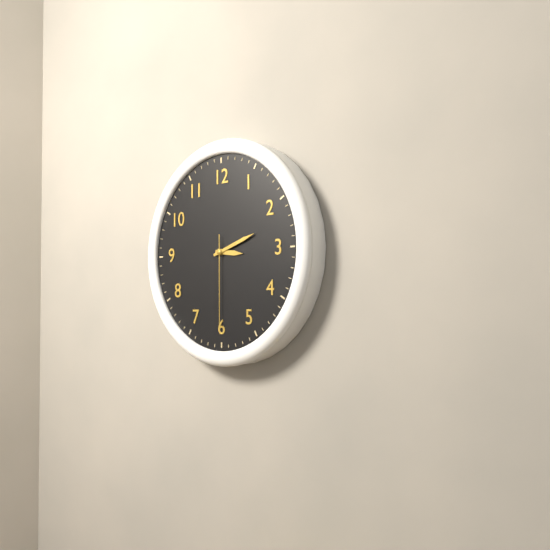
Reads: 3 h 12 min 30 s
